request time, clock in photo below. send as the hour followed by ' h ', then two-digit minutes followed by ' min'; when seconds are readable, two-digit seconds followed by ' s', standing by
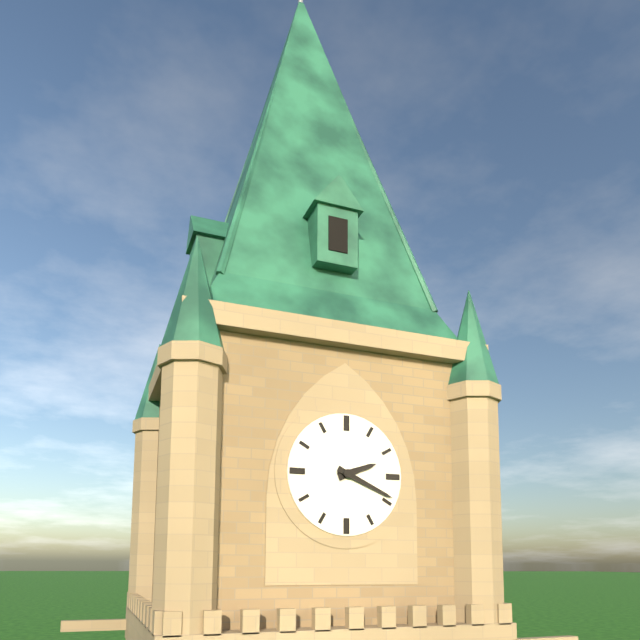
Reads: 2 h 19 min
